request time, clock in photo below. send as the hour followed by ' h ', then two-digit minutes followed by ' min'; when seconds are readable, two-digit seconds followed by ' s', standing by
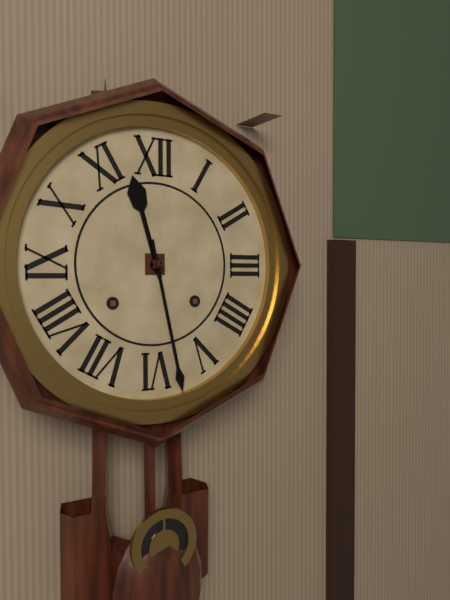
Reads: 11 h 28 min
